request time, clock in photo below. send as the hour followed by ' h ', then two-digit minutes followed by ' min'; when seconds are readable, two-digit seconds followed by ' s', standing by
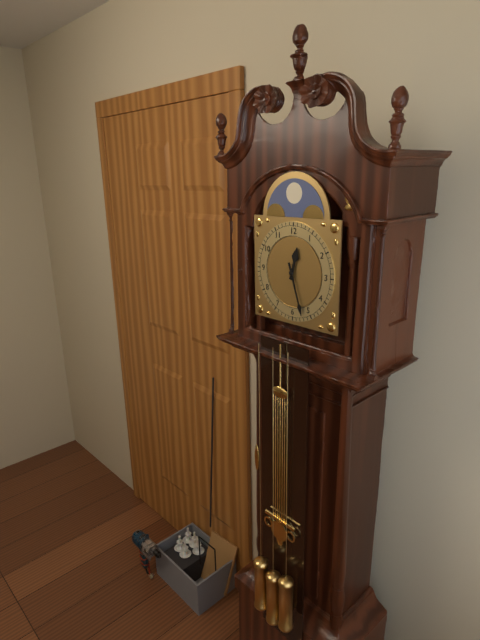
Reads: 12 h 27 min
